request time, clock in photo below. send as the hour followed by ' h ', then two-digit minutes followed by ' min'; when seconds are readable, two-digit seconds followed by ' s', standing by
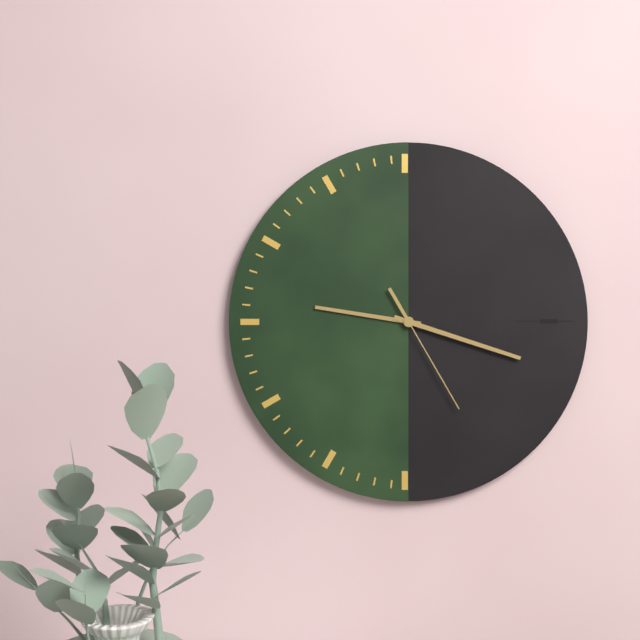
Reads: 9 h 18 min 25 s
